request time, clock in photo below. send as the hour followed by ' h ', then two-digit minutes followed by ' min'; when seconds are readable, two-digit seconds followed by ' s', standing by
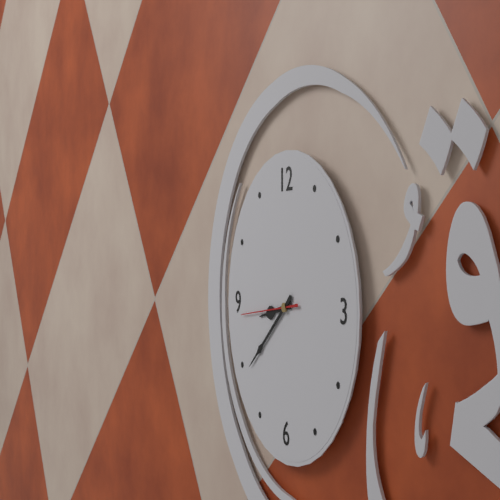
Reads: 8 h 39 min 44 s
